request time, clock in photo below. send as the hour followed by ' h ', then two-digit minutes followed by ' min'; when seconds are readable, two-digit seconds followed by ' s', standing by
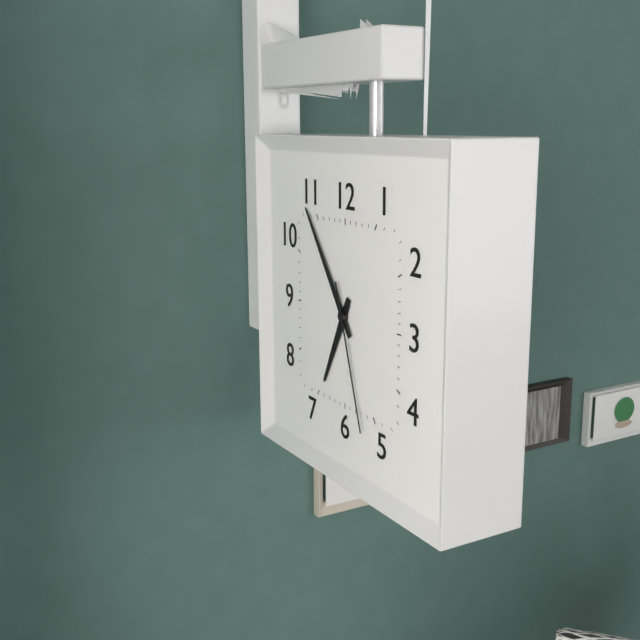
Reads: 6 h 54 min 27 s
